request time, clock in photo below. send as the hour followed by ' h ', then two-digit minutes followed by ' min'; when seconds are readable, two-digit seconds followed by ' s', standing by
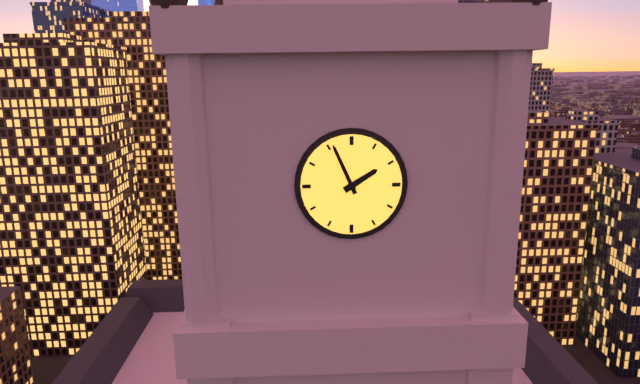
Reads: 1 h 56 min
